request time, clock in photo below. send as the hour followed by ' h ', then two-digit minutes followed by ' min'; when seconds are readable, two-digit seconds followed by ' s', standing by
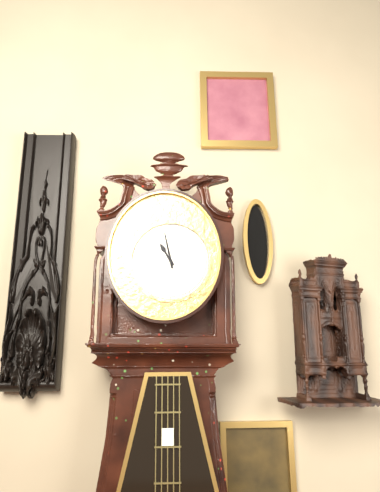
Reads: 10 h 58 min
